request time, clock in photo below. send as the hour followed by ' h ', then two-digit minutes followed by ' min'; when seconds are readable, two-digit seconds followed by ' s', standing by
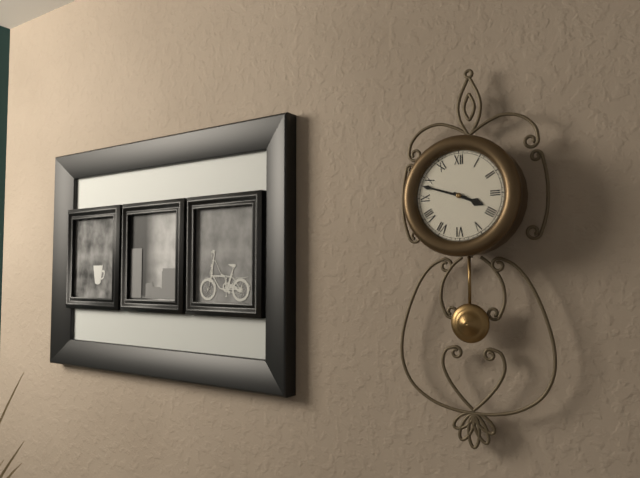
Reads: 3 h 48 min
